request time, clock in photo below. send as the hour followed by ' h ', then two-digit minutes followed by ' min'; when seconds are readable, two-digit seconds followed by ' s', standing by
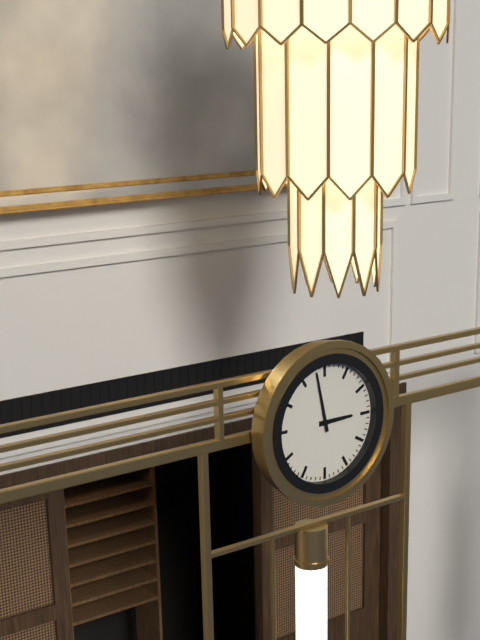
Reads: 2 h 58 min
